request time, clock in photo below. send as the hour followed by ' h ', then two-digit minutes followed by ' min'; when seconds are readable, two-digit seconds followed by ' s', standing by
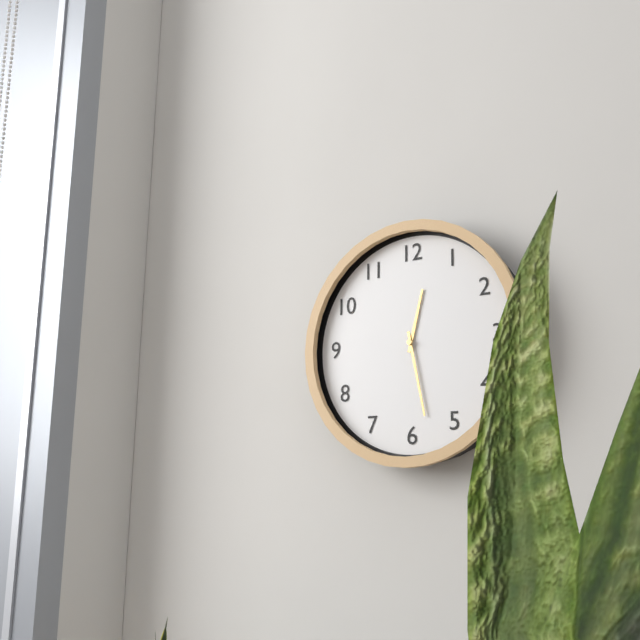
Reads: 12 h 28 min
